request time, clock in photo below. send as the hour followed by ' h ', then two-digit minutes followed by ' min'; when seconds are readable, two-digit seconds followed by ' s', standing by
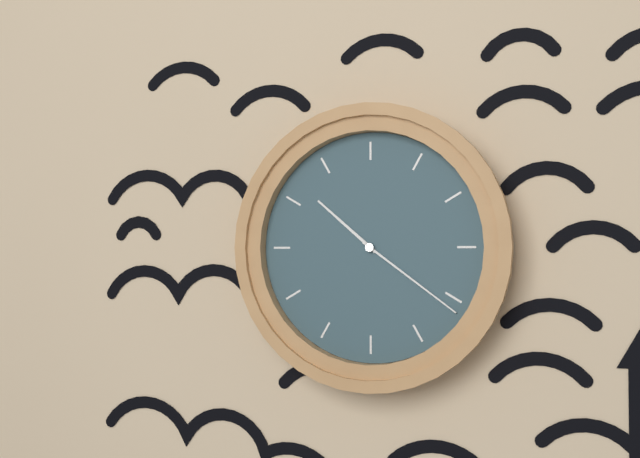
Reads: 10 h 21 min
